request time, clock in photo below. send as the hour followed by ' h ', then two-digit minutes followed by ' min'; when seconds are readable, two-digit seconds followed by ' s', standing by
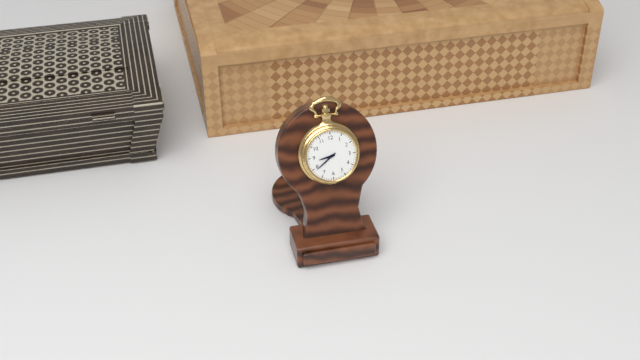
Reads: 8 h 39 min
